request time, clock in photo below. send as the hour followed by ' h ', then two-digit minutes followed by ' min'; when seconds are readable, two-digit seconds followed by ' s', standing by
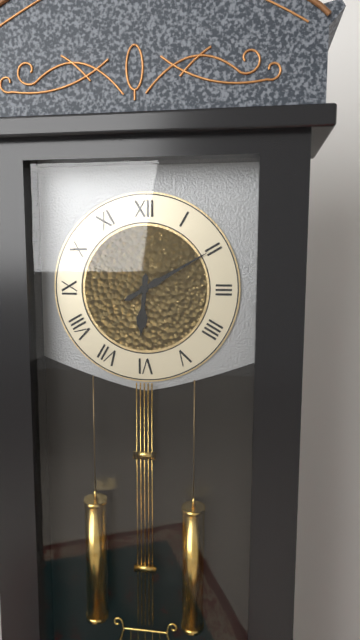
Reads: 6 h 10 min
